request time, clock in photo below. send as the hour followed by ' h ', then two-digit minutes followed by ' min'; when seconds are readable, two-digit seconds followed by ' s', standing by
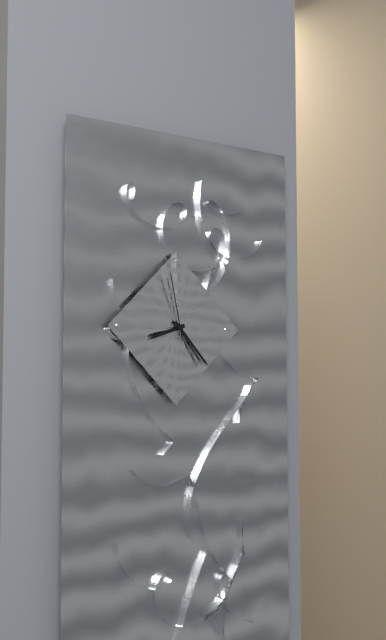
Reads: 8 h 23 min 58 s
